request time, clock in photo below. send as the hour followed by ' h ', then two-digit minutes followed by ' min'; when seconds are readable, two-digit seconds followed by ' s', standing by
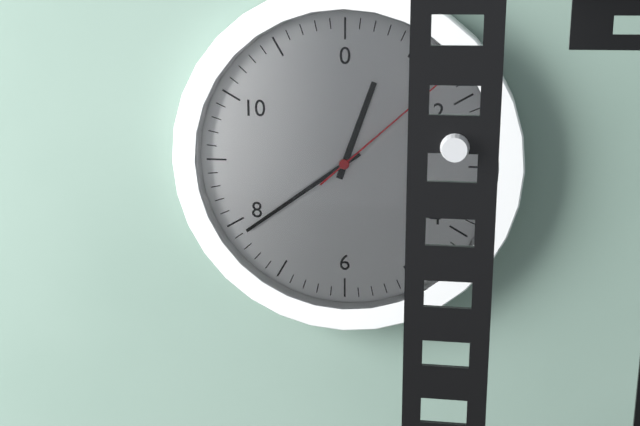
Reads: 12 h 39 min 08 s
